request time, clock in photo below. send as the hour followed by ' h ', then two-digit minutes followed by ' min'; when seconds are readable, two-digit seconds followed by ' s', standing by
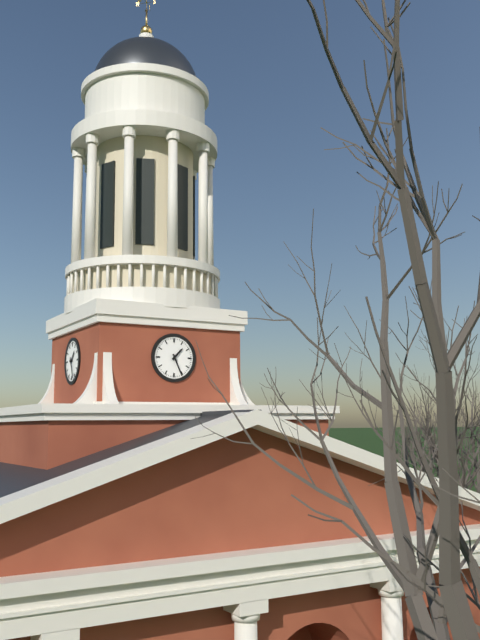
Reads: 1 h 26 min
